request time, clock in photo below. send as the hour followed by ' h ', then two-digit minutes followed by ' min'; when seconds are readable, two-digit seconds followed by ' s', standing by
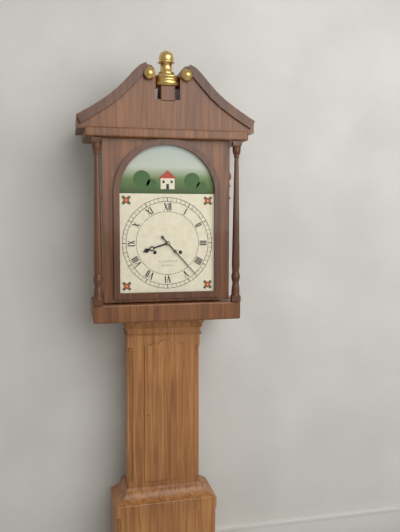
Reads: 8 h 23 min
